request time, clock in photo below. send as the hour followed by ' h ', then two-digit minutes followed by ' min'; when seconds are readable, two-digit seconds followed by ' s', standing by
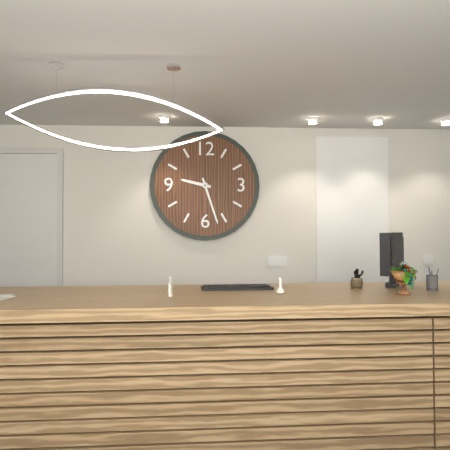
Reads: 9 h 27 min
